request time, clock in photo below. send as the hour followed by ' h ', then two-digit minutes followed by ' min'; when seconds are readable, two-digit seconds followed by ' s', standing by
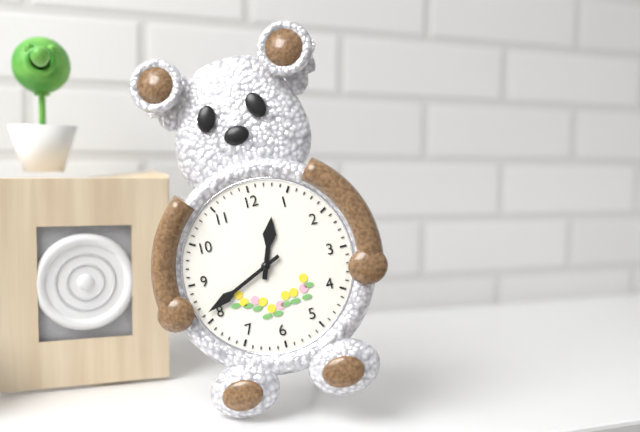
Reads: 12 h 41 min
